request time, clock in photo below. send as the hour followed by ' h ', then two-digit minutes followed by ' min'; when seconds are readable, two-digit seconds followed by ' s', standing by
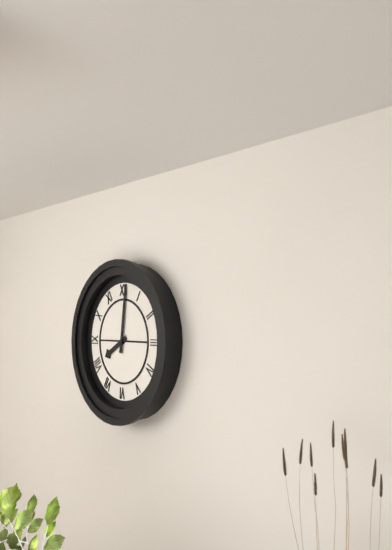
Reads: 8 h 01 min
